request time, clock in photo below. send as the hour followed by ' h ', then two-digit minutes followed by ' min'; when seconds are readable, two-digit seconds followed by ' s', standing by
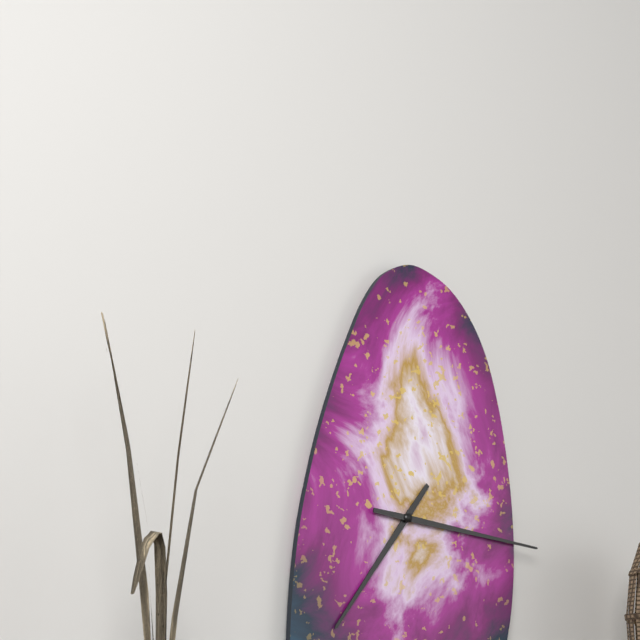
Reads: 7 h 16 min
